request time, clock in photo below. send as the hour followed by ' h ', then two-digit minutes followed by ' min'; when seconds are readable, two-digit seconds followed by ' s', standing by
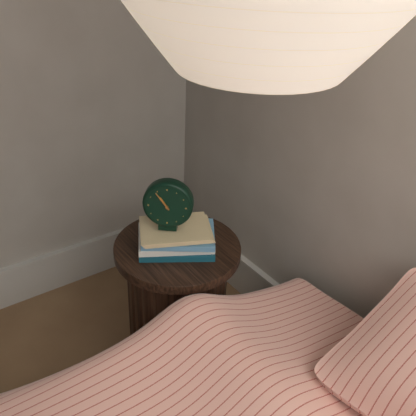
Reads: 10 h 54 min
